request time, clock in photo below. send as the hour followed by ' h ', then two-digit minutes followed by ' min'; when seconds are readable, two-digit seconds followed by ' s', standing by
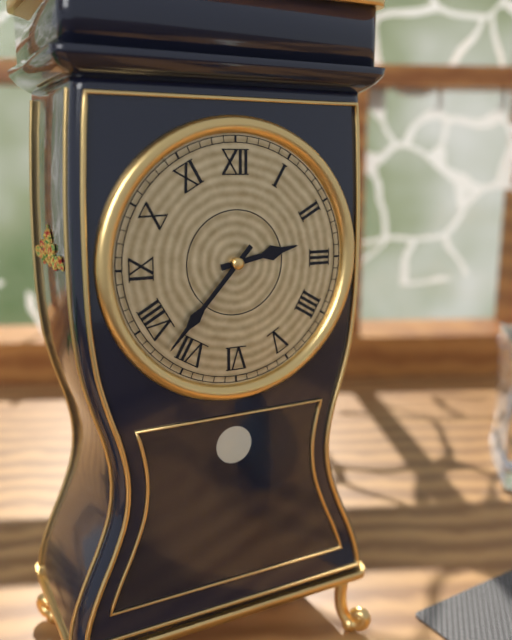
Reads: 2 h 37 min
